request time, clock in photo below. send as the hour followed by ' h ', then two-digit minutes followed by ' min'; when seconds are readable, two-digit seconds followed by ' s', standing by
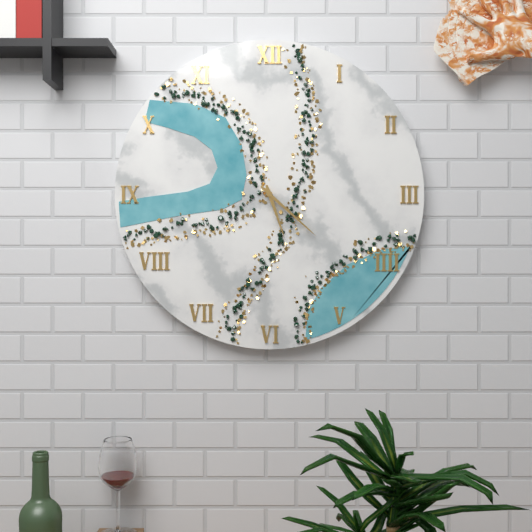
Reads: 5 h 22 min
